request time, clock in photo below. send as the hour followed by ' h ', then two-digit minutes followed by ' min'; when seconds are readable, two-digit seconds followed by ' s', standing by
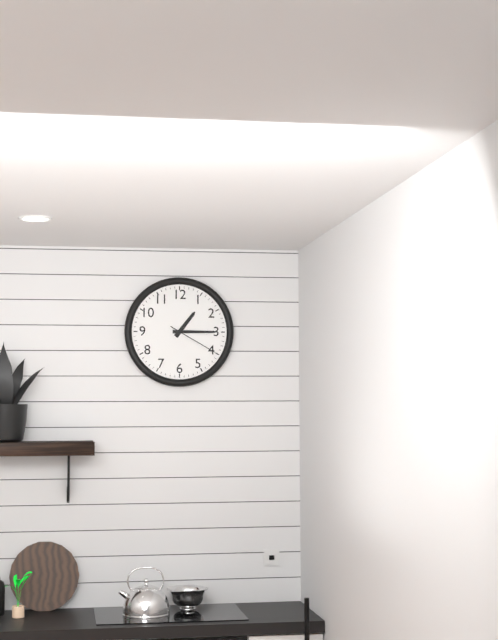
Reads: 1 h 15 min 20 s
